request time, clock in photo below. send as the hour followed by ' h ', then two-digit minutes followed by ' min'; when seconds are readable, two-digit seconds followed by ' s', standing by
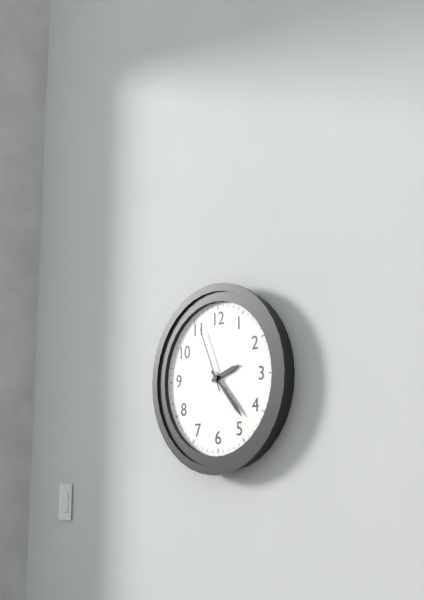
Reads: 2 h 23 min 56 s
